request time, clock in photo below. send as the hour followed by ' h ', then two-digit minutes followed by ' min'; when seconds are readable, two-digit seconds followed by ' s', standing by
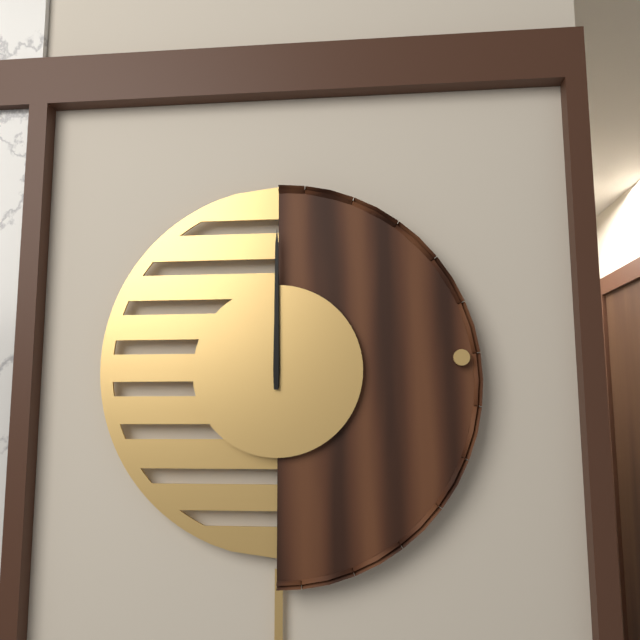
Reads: 12 h 00 min
